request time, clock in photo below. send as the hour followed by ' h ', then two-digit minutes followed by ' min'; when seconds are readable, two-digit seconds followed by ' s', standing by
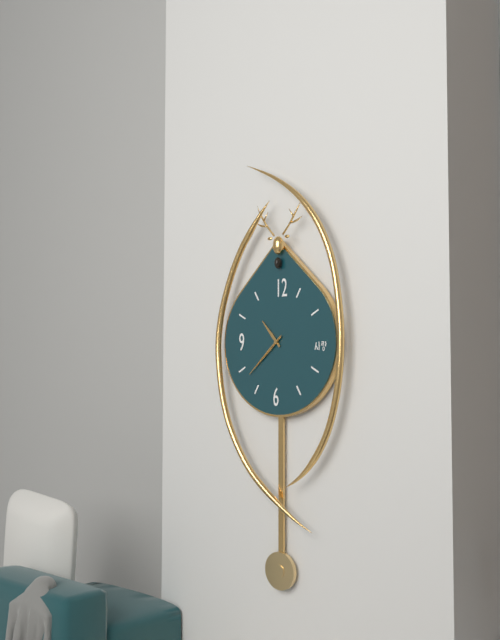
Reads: 10 h 38 min
